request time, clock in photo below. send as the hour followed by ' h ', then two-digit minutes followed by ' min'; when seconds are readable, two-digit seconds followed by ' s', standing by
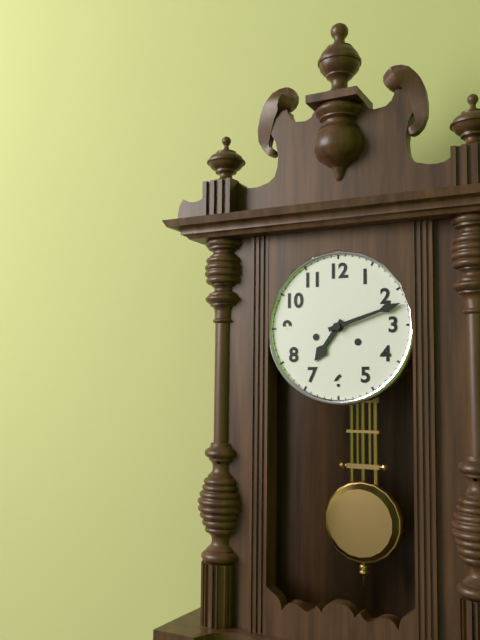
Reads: 7 h 12 min
